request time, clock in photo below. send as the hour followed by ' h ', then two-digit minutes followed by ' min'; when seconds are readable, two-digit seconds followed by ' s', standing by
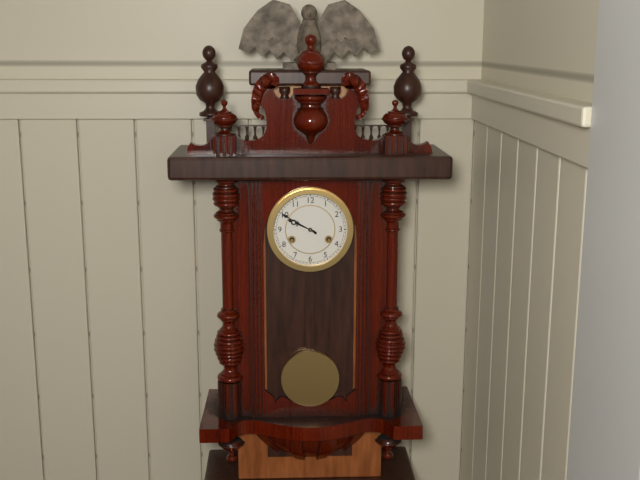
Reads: 9 h 50 min
